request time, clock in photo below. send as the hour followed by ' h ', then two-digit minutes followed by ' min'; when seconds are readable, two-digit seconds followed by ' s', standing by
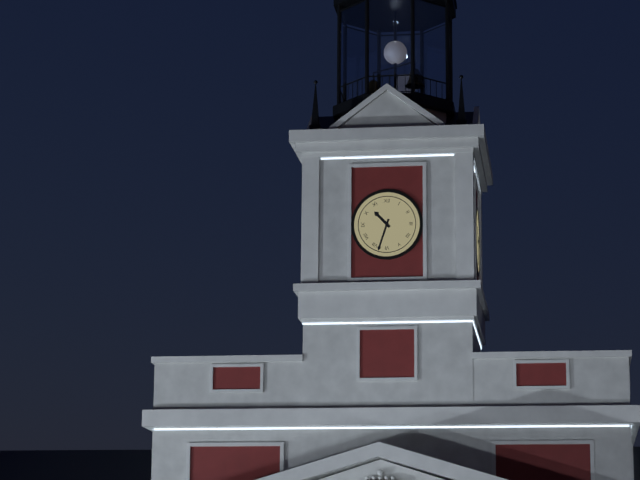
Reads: 10 h 33 min
